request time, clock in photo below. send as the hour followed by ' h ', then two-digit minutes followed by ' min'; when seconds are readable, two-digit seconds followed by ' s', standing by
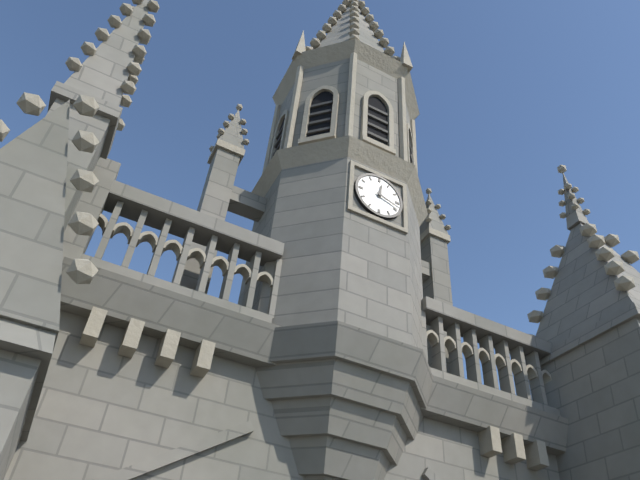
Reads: 12 h 18 min
